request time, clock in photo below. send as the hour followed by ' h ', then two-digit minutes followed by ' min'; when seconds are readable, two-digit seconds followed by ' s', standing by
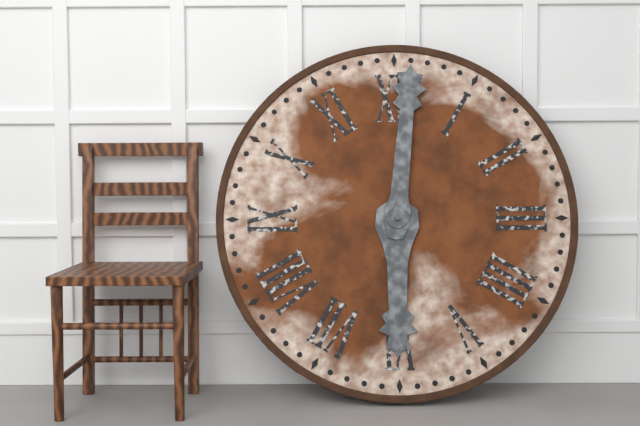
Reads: 6 h 01 min
